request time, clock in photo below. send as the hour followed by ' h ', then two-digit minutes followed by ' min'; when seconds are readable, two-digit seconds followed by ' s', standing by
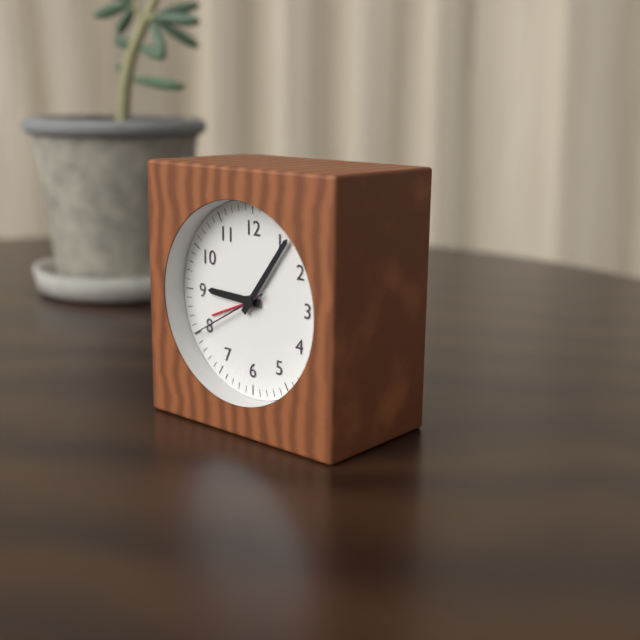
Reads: 9 h 06 min 40 s
